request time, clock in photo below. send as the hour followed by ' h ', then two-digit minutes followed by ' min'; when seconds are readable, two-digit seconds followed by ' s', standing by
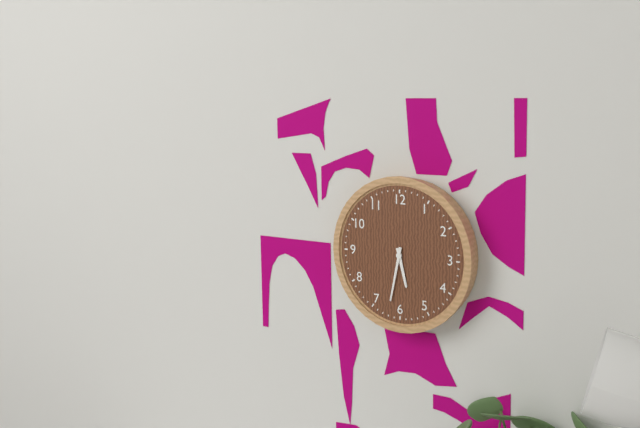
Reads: 5 h 32 min
